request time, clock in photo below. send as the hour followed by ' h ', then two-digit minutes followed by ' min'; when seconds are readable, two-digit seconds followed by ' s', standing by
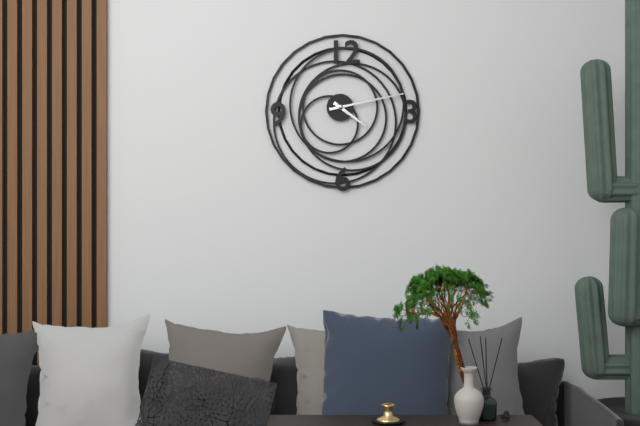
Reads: 4 h 13 min
